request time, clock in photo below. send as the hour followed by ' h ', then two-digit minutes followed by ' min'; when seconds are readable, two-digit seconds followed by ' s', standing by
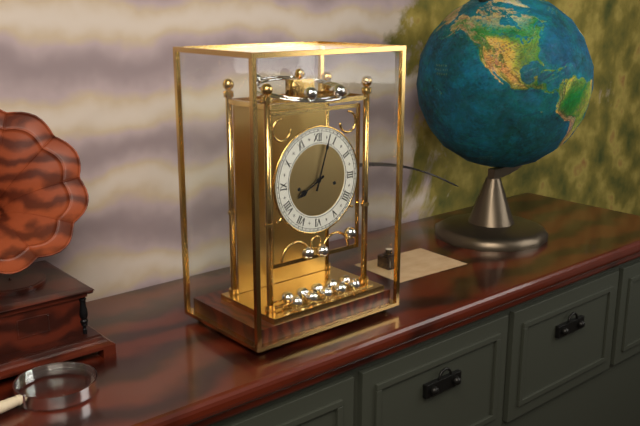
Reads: 8 h 03 min
